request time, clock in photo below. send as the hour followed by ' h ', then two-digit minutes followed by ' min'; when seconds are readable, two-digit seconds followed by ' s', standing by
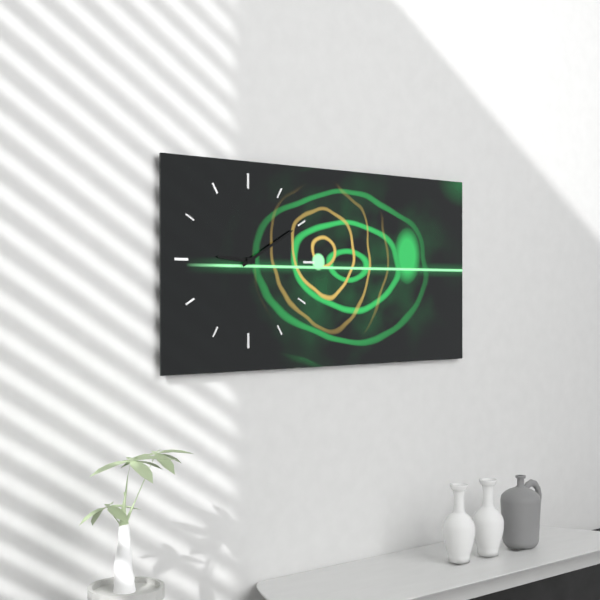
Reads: 9 h 10 min
